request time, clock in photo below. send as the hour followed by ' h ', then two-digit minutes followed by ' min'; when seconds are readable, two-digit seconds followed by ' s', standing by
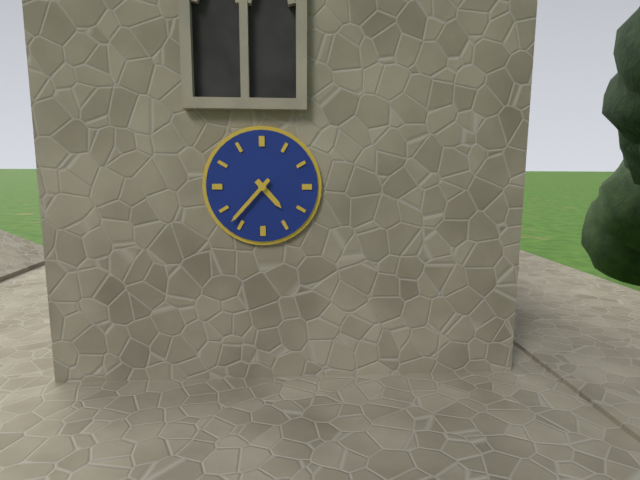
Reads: 4 h 37 min
